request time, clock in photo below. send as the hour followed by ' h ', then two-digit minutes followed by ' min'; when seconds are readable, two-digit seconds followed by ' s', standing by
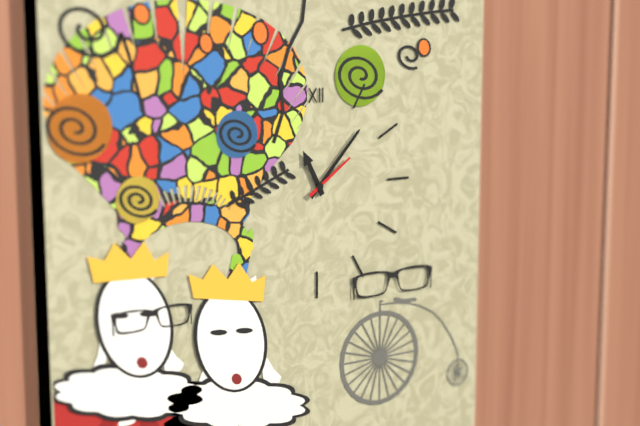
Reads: 11 h 07 min 09 s
